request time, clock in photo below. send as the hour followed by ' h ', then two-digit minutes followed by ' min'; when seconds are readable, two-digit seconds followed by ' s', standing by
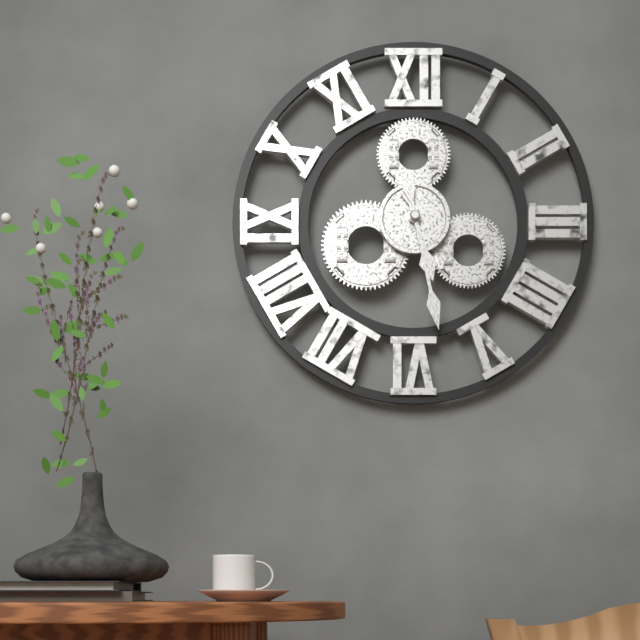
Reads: 5 h 28 min
